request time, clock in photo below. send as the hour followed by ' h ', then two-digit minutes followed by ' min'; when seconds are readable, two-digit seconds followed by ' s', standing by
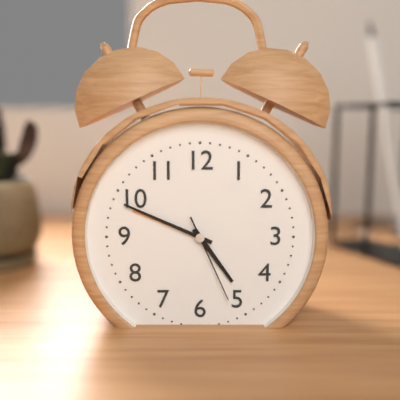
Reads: 4 h 49 min 26 s
